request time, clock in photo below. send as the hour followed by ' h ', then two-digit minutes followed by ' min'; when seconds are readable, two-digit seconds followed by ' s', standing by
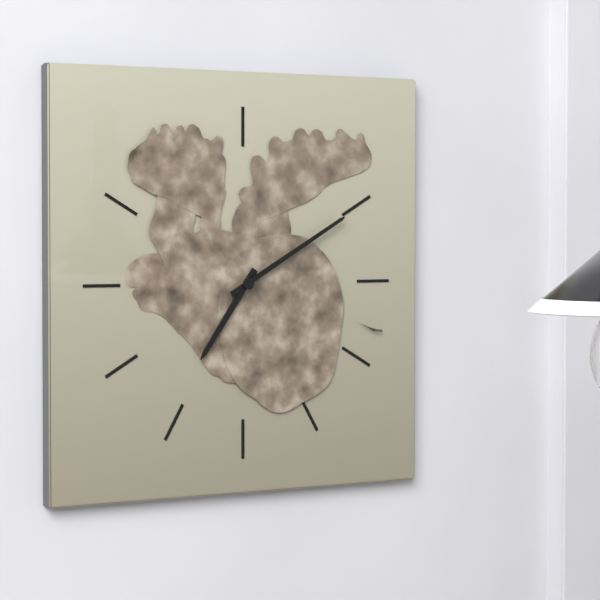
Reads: 7 h 10 min
